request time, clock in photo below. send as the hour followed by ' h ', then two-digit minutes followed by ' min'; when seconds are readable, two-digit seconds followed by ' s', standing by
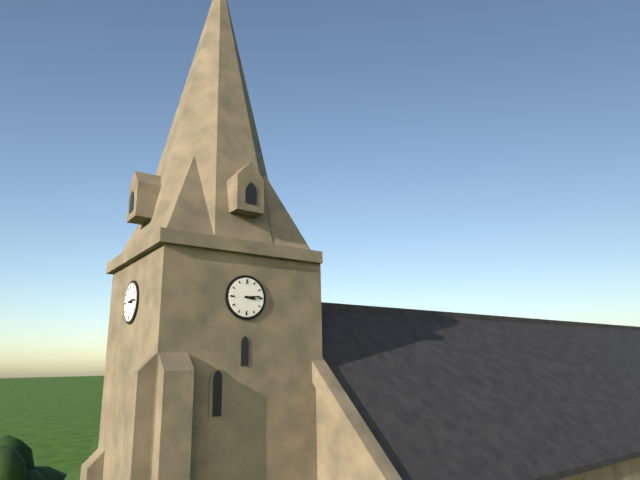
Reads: 3 h 14 min
